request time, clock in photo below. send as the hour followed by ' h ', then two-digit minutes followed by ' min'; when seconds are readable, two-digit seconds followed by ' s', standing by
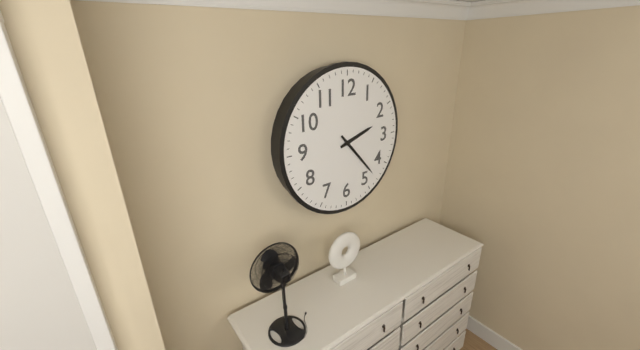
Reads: 2 h 23 min
